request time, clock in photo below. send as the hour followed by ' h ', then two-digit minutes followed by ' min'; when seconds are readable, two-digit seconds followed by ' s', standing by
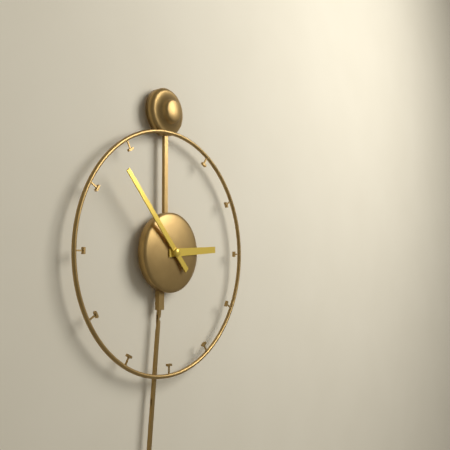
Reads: 2 h 53 min
